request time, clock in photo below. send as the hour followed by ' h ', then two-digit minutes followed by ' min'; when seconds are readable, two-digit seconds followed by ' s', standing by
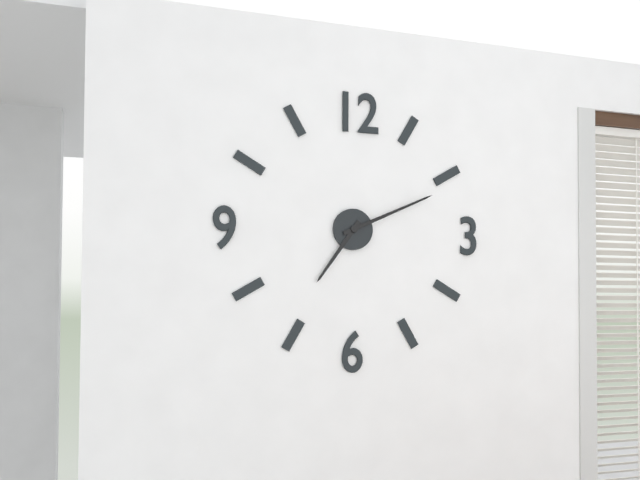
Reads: 7 h 11 min
